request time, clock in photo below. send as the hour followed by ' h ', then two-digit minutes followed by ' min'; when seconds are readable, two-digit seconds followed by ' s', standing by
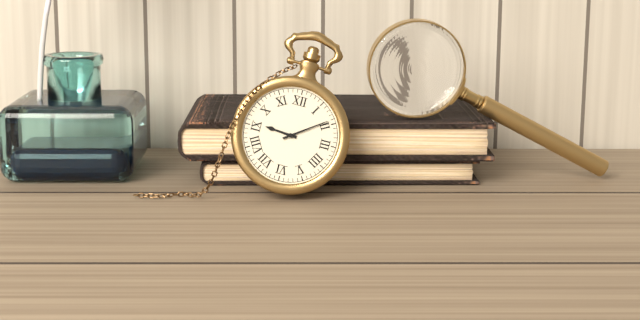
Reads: 9 h 09 min
